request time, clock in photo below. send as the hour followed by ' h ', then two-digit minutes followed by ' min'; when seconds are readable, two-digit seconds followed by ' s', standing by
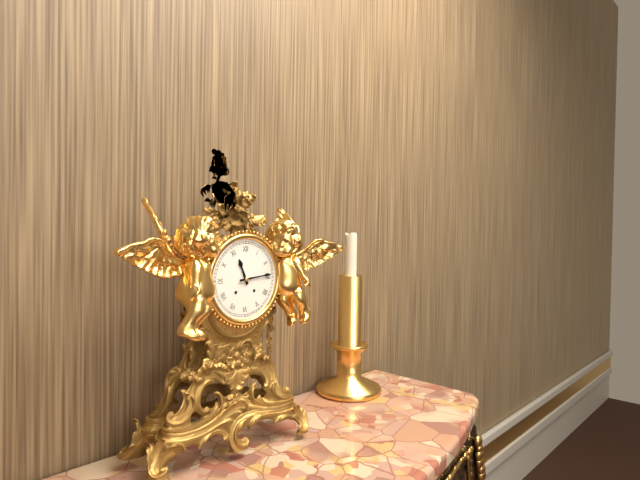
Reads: 11 h 14 min
